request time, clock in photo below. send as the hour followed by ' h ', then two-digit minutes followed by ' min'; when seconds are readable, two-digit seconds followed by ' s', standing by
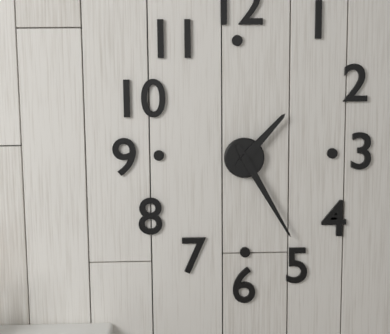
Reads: 1 h 25 min
